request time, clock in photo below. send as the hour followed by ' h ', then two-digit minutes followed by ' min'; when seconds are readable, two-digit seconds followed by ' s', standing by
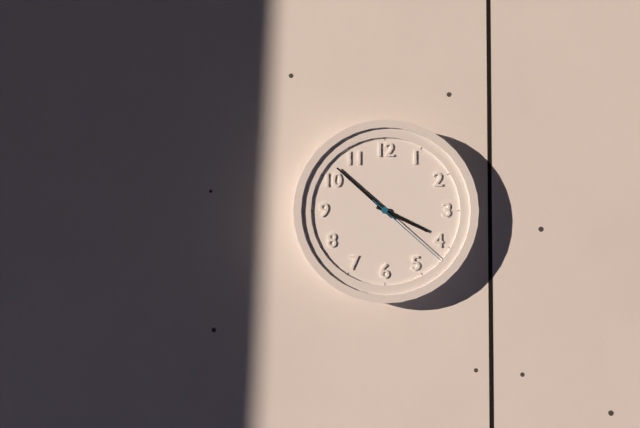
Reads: 3 h 52 min 22 s
